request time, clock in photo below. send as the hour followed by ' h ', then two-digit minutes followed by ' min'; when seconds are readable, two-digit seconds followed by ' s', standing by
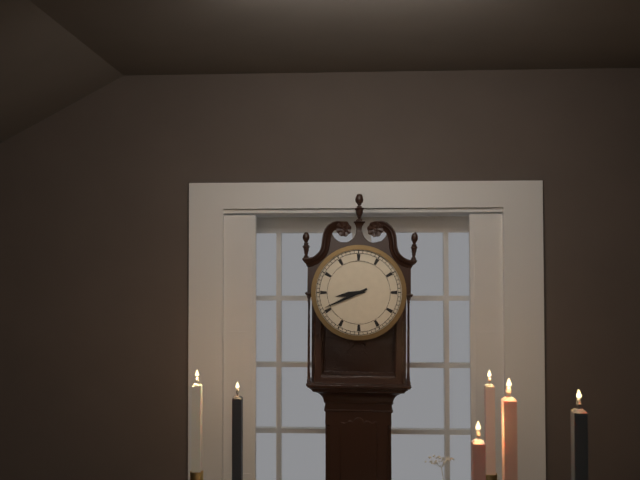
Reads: 8 h 41 min
